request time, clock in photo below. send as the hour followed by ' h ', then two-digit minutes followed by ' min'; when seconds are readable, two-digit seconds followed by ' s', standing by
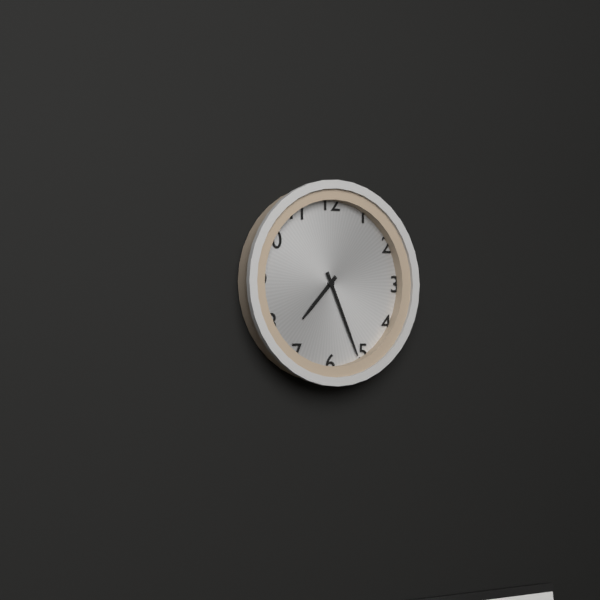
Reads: 7 h 26 min
